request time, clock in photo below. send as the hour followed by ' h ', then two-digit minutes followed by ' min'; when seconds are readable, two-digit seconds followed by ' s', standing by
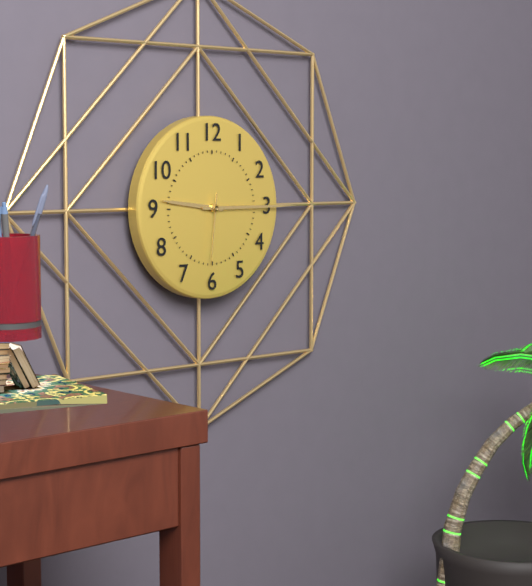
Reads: 9 h 15 min 31 s
